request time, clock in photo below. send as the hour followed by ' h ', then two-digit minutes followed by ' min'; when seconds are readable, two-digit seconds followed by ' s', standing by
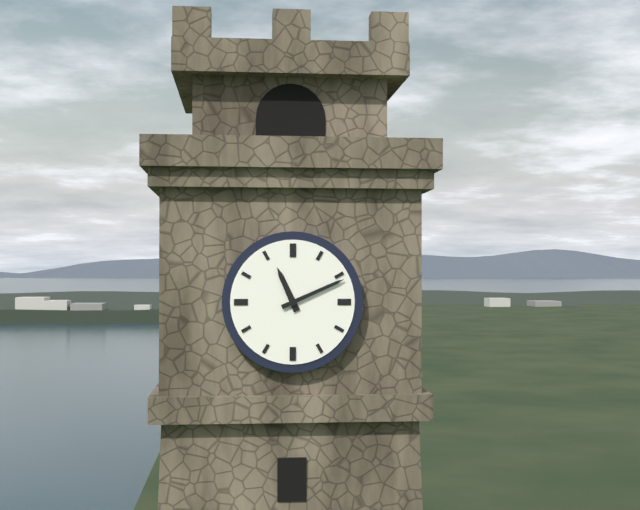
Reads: 11 h 11 min
